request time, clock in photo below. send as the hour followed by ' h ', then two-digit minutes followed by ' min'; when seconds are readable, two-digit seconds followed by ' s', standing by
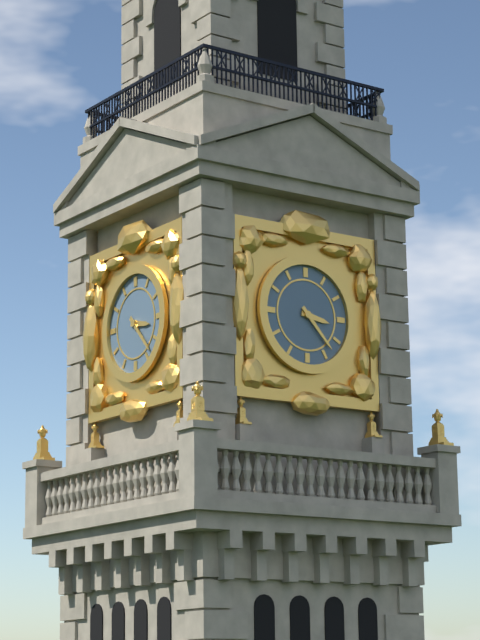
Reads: 3 h 23 min
